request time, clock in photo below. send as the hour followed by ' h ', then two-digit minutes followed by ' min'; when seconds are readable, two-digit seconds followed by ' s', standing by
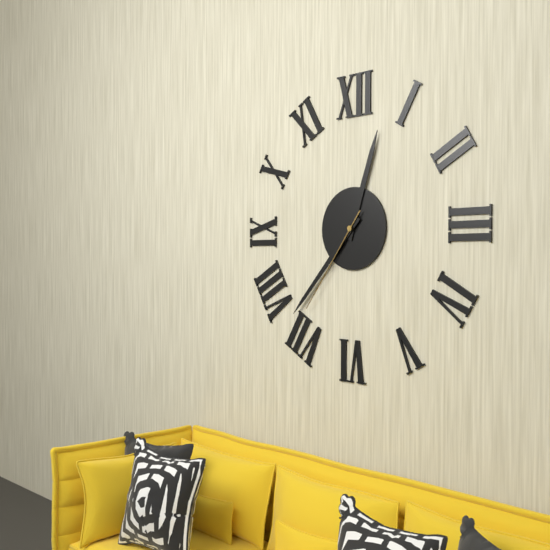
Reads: 12 h 37 min 36 s
